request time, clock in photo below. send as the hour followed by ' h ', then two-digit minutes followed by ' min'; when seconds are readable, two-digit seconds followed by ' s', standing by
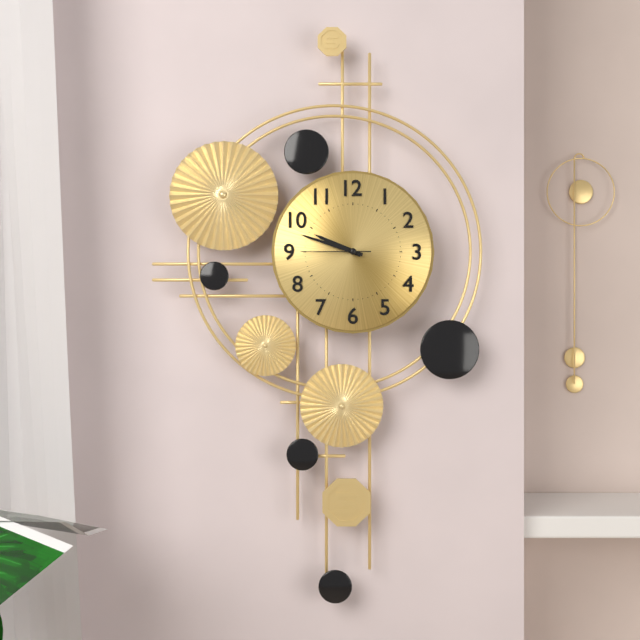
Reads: 9 h 48 min 45 s
